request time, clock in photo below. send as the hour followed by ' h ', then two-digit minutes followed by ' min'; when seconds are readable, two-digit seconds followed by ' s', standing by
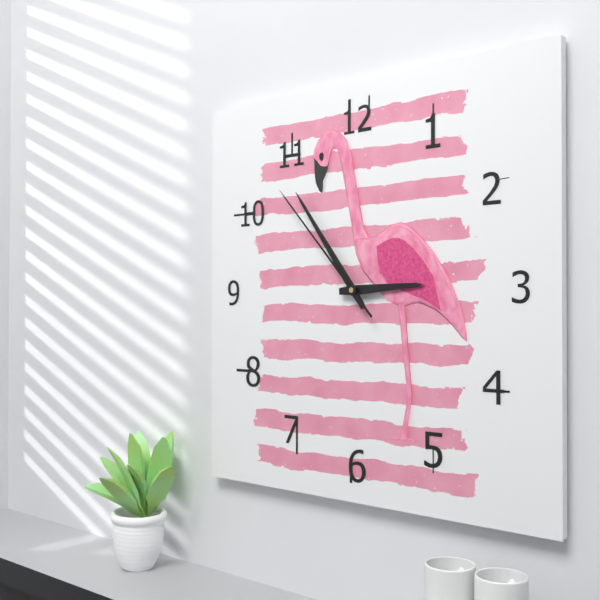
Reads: 2 h 54 min 53 s
